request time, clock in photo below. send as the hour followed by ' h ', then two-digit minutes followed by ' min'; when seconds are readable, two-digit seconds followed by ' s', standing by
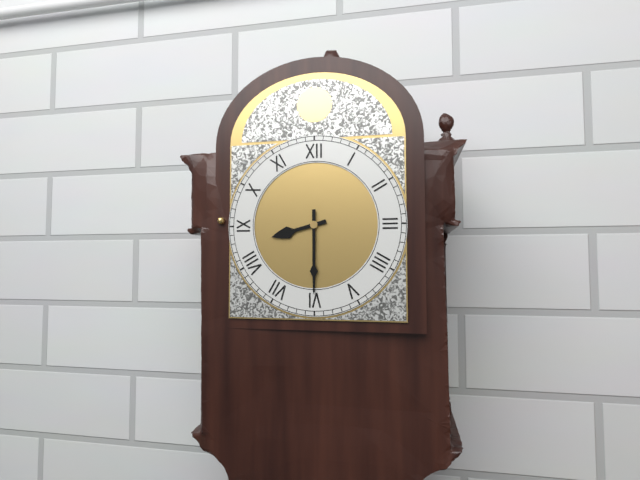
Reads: 8 h 30 min
